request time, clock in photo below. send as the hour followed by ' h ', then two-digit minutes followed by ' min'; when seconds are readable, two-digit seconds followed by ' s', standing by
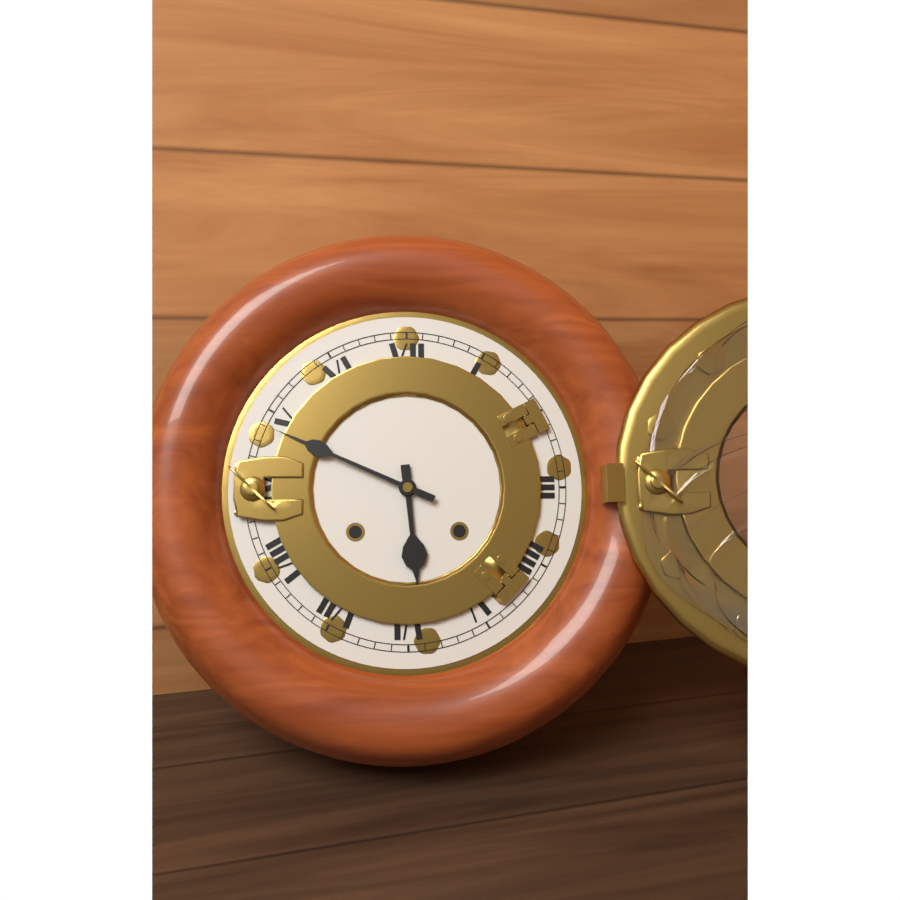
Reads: 5 h 49 min
